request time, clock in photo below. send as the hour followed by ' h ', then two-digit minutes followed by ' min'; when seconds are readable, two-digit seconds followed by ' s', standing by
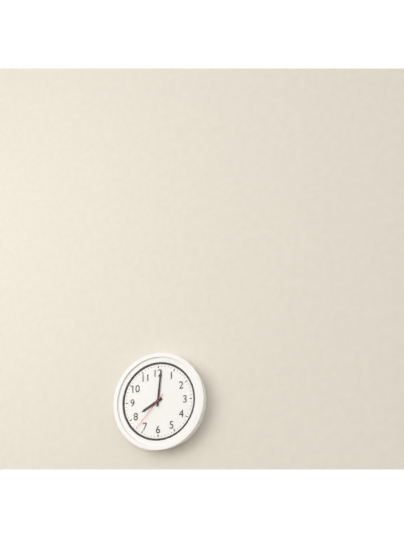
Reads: 8 h 01 min
